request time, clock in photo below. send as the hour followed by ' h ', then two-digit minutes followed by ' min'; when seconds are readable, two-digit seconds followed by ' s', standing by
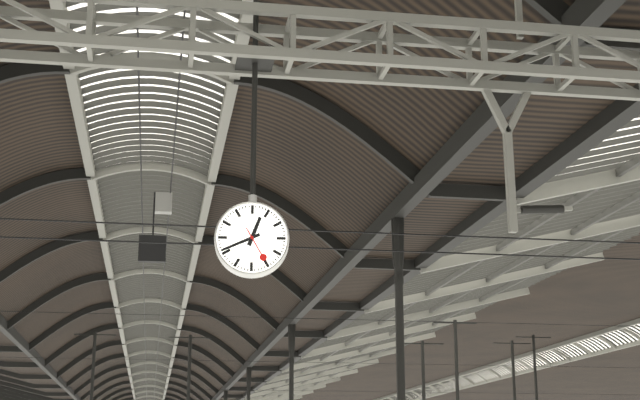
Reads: 12 h 41 min
